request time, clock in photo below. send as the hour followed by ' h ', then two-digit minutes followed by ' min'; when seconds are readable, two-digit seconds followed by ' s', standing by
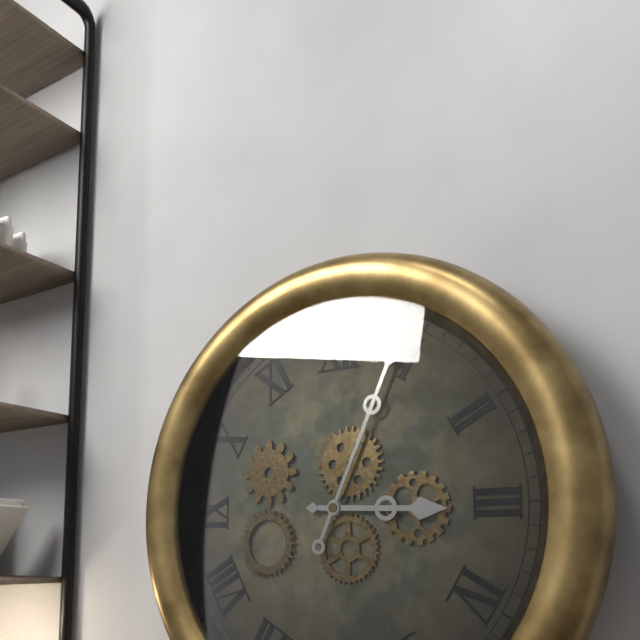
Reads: 3 h 04 min
